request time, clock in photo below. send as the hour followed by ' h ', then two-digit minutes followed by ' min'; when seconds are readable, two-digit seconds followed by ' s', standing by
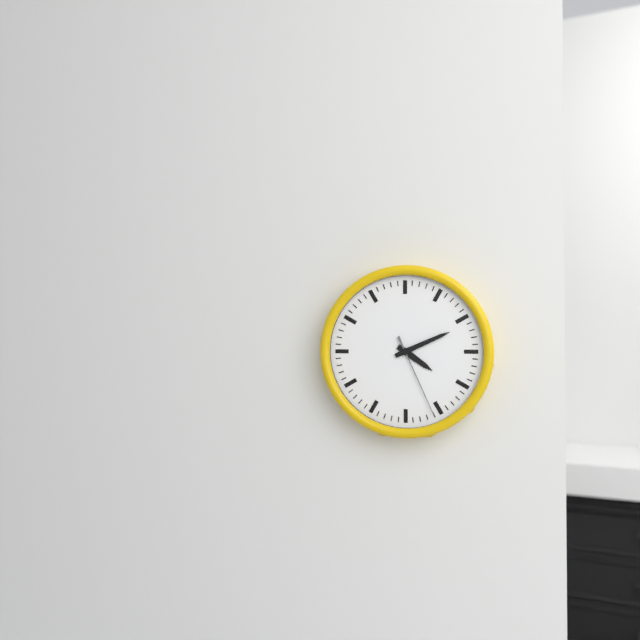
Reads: 4 h 11 min 26 s
